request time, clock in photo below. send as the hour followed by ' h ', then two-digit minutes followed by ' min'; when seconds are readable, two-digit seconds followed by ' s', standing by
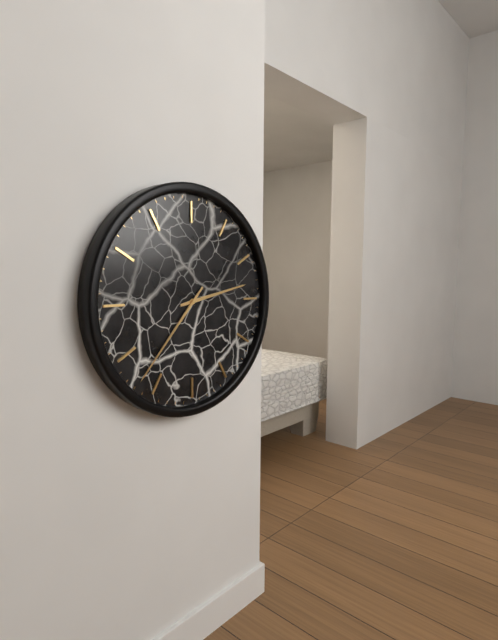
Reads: 2 h 37 min
